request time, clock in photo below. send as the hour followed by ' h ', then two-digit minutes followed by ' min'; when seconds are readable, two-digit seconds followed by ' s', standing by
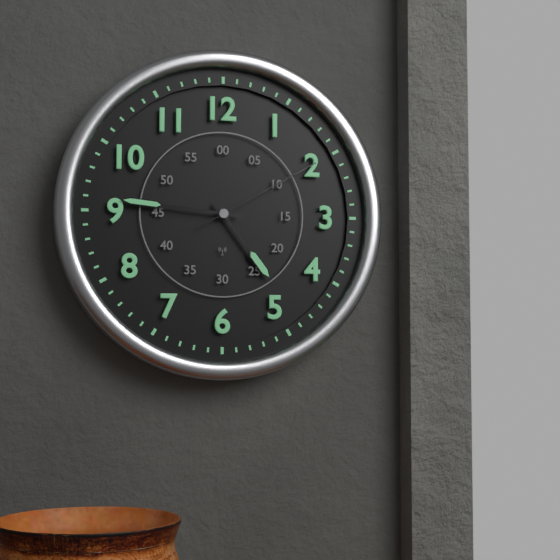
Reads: 4 h 46 min 10 s
